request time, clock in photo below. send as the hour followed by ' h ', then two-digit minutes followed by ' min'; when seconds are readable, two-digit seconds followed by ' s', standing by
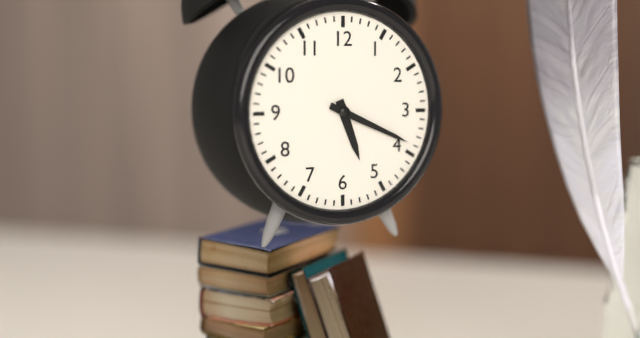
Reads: 5 h 19 min
